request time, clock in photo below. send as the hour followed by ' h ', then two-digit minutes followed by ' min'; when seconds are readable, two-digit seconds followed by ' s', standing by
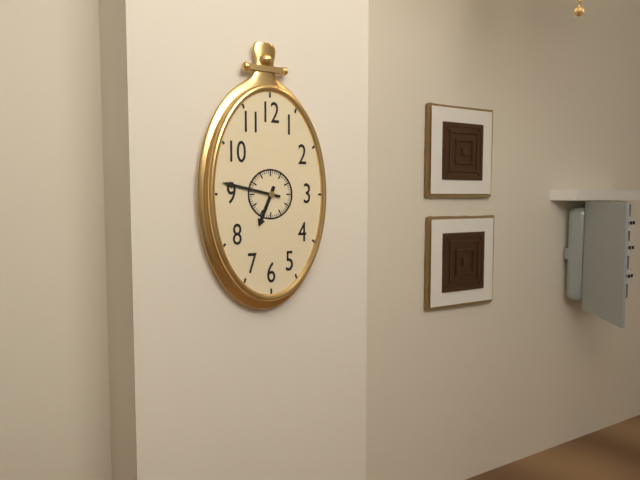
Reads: 6 h 47 min
